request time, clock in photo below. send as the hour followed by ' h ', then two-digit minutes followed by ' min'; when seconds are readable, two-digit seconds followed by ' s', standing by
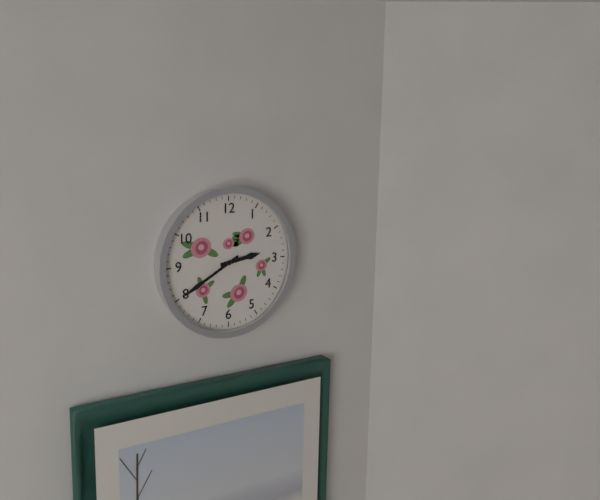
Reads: 2 h 40 min
